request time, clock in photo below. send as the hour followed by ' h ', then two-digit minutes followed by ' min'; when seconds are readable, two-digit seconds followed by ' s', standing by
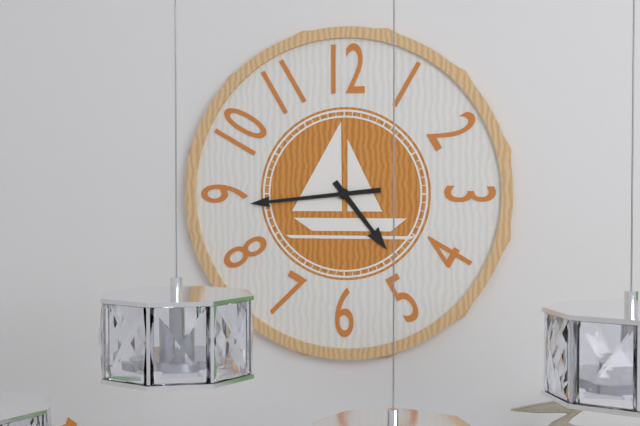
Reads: 4 h 44 min
